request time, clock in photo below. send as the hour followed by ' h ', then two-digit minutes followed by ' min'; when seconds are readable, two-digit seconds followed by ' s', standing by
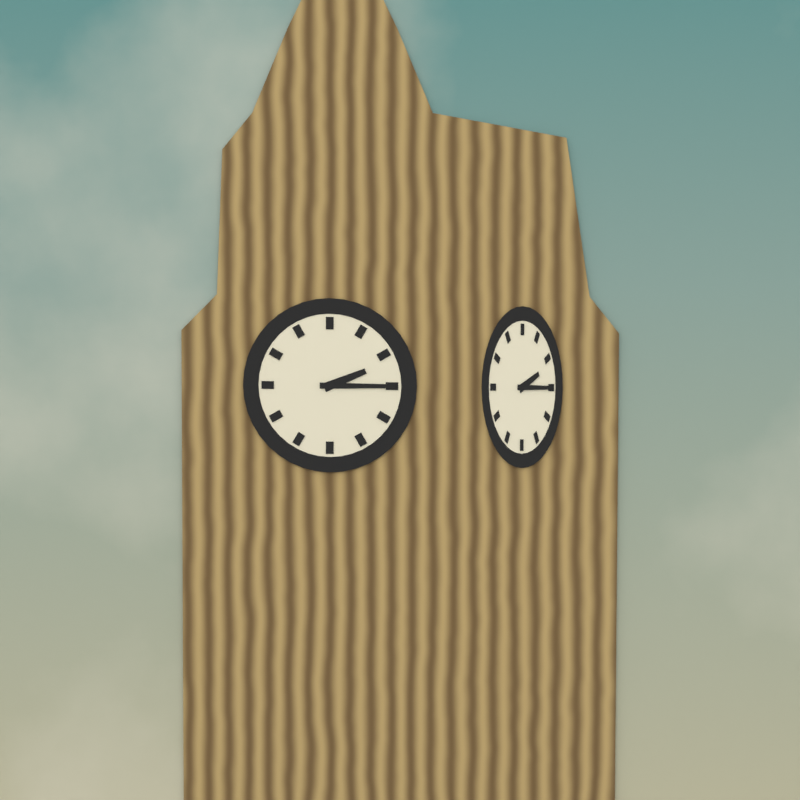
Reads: 2 h 15 min
